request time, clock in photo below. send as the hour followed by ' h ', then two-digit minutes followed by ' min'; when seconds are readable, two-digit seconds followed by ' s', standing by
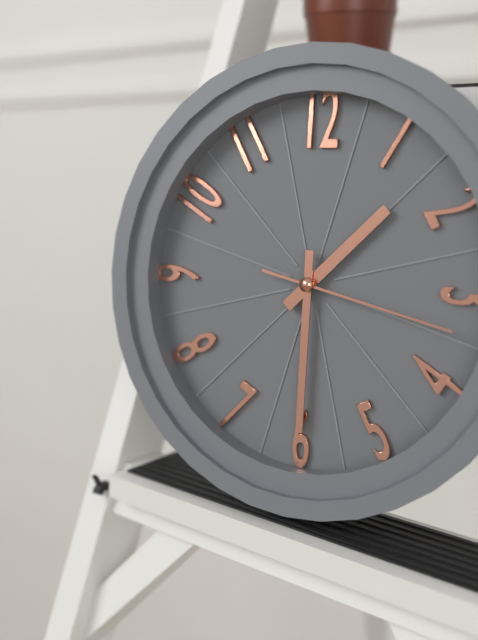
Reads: 1 h 30 min 17 s
